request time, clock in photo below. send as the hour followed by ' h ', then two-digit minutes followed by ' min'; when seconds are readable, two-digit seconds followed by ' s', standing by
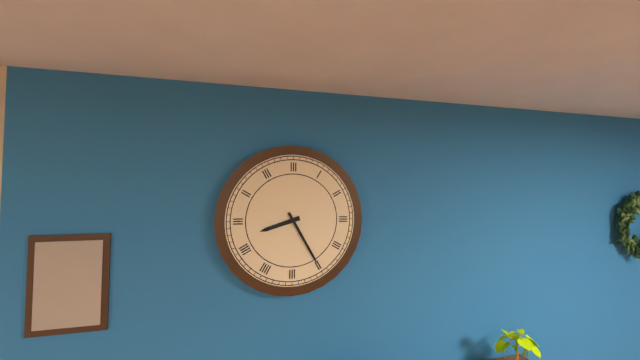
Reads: 8 h 25 min
